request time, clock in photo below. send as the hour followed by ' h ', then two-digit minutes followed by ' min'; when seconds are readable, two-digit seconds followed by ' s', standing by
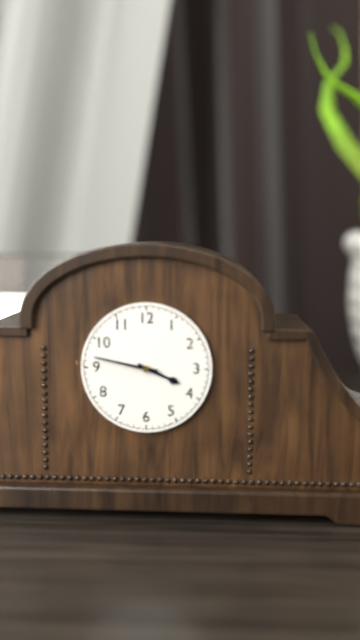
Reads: 3 h 47 min
